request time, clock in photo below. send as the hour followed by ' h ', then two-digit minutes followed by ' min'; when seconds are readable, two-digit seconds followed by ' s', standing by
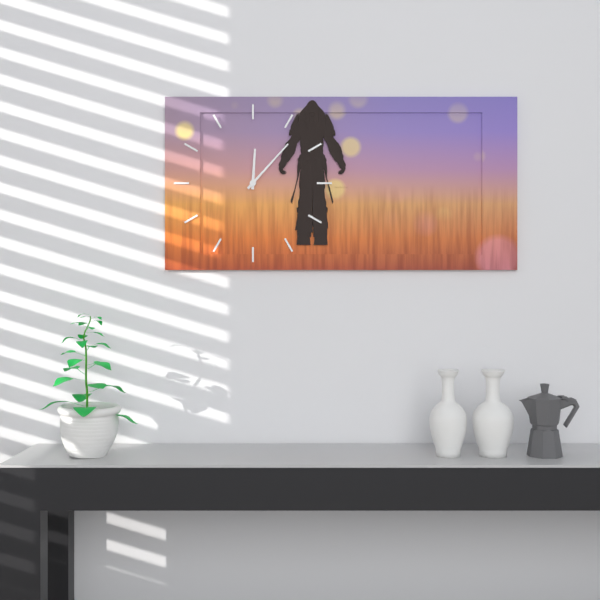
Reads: 12 h 07 min
